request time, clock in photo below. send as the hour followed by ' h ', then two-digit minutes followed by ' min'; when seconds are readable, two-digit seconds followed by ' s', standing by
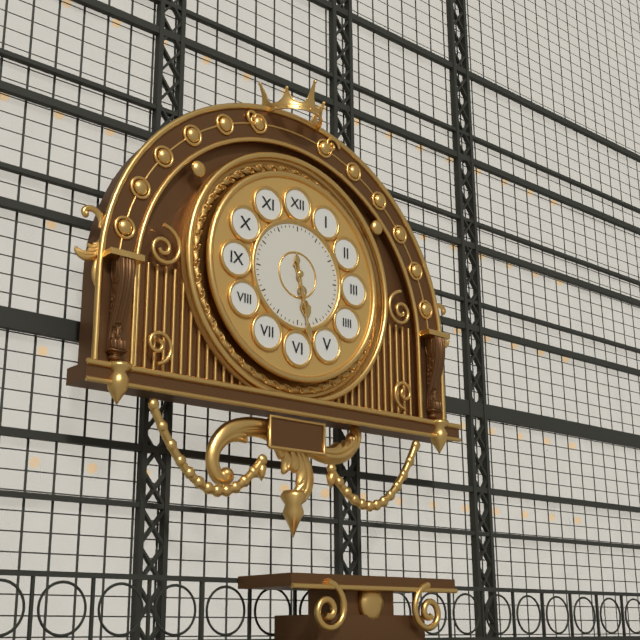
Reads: 5 h 28 min
